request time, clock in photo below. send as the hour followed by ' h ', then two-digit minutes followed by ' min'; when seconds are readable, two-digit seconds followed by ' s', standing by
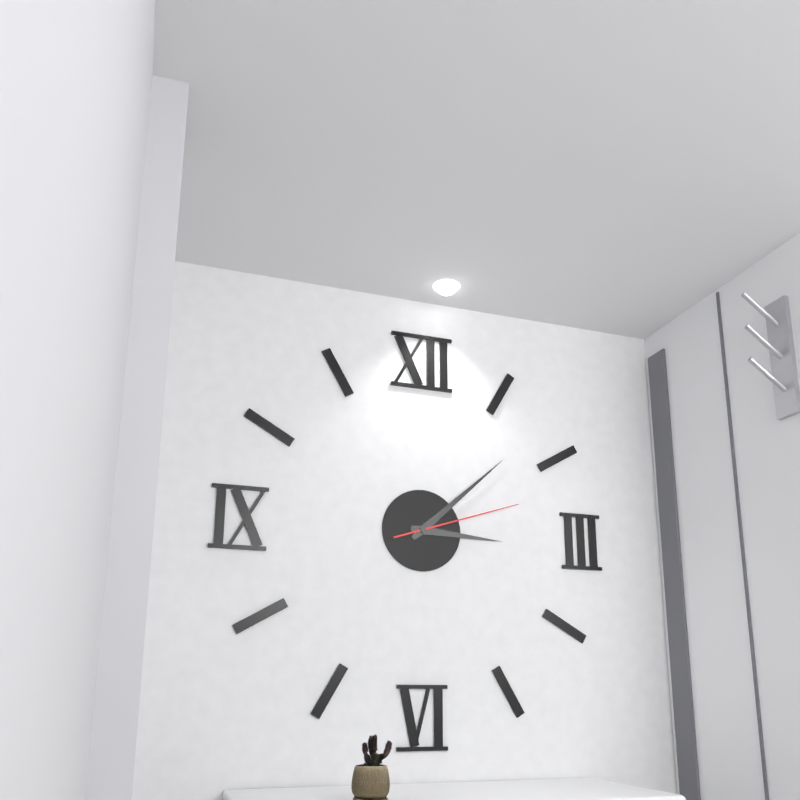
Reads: 3 h 08 min 12 s
